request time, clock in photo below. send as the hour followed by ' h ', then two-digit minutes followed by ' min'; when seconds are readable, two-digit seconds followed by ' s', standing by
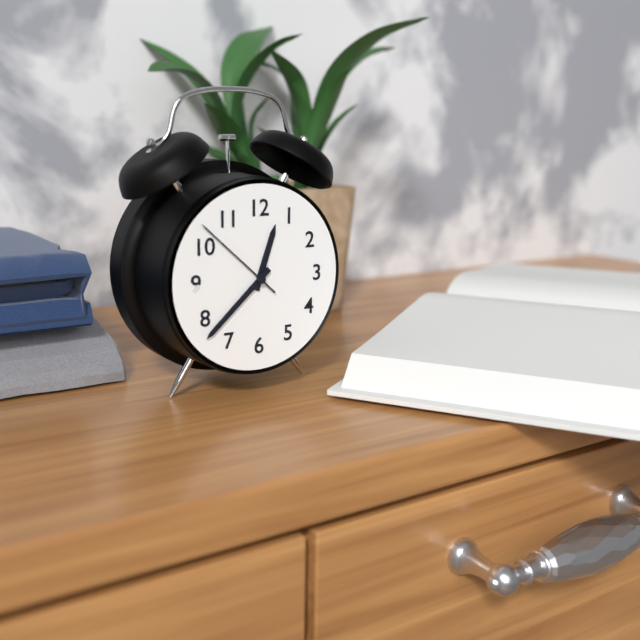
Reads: 12 h 38 min 52 s
